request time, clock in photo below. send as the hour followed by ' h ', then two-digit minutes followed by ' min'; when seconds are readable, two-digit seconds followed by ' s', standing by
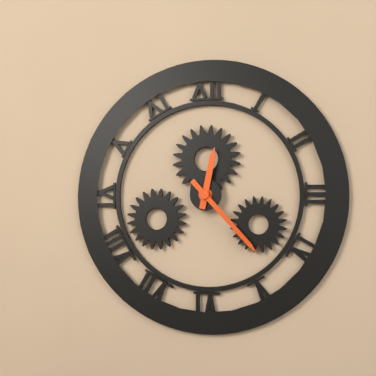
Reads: 12 h 23 min
